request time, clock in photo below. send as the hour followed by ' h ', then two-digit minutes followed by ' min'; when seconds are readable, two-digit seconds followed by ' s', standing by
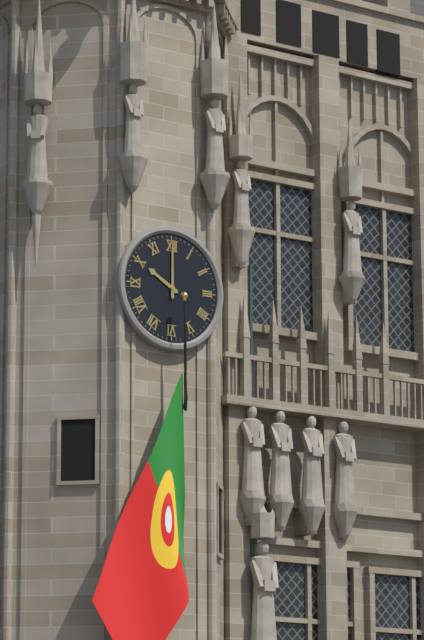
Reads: 10 h 00 min
